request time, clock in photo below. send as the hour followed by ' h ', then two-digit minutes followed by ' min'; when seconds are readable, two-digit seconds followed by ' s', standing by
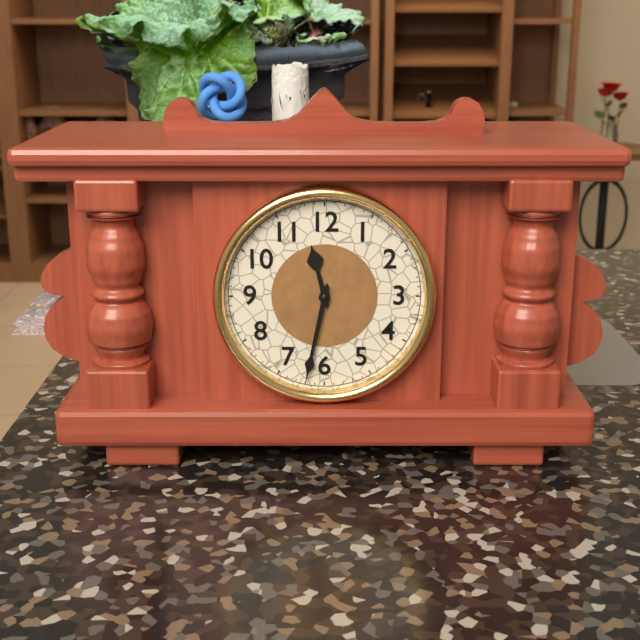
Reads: 11 h 32 min
